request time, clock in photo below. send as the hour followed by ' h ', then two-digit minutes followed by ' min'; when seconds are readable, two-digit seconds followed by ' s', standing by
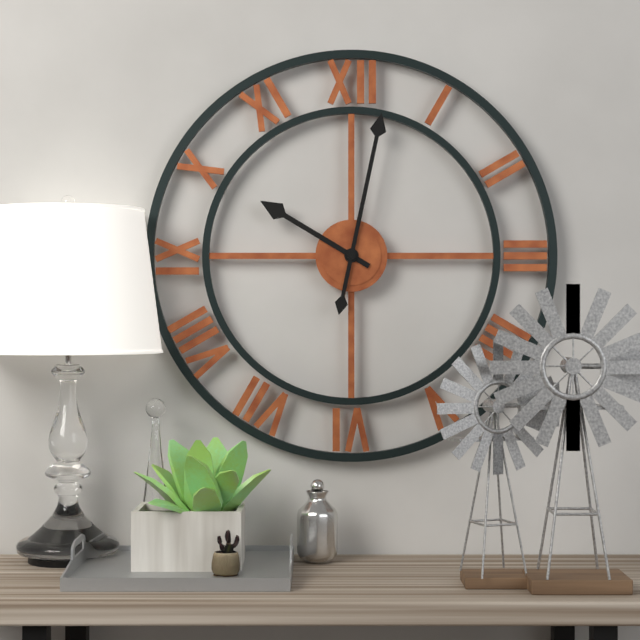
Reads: 10 h 02 min
